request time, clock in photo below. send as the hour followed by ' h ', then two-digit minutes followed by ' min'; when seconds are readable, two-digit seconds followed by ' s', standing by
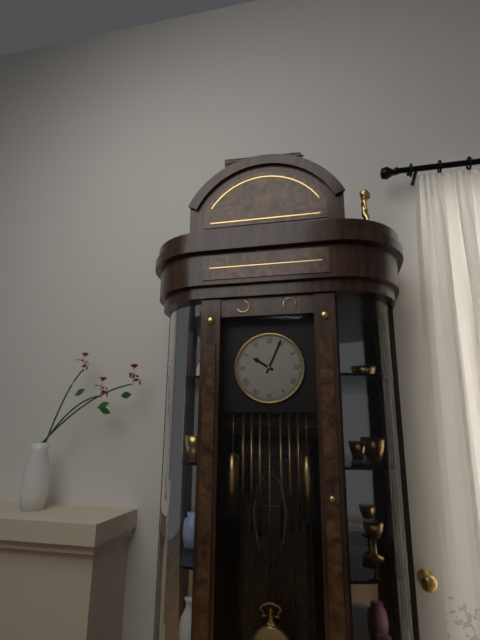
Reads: 10 h 04 min
